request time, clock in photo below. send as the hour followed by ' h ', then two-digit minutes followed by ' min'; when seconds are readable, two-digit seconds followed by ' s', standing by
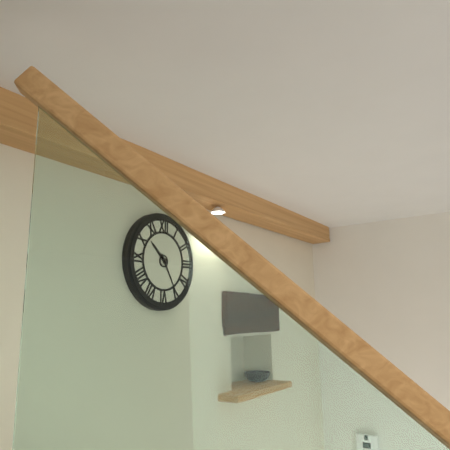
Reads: 10 h 25 min
